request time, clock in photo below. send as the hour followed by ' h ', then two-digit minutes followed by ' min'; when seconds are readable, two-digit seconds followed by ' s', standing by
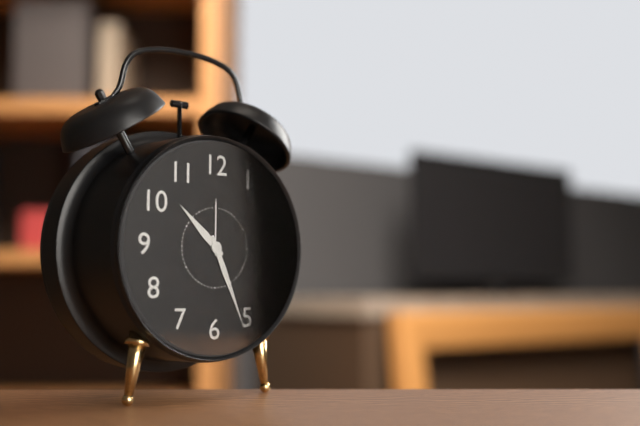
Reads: 10 h 26 min
